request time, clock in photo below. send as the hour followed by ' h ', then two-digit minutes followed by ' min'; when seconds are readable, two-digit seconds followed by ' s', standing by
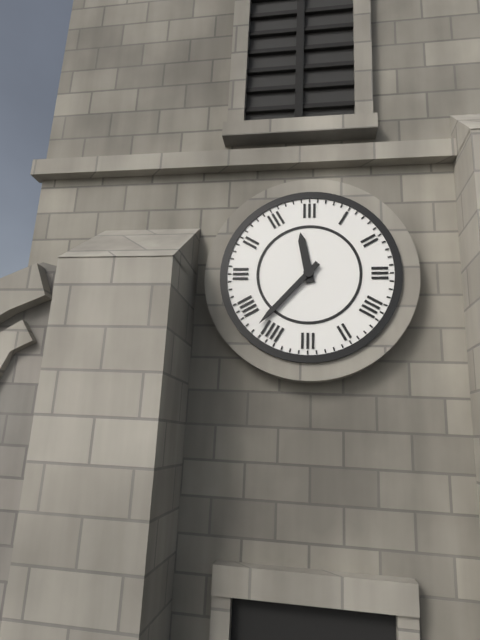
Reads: 11 h 37 min
